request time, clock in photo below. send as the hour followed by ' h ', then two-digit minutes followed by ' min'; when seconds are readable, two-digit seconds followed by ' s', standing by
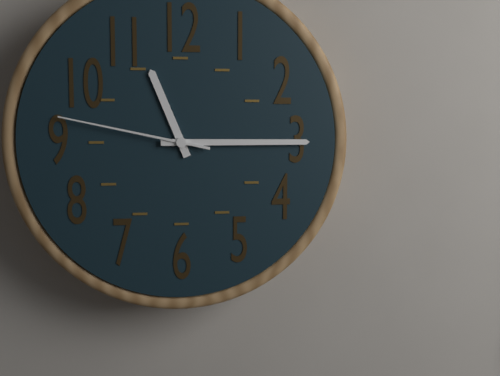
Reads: 11 h 15 min 47 s
